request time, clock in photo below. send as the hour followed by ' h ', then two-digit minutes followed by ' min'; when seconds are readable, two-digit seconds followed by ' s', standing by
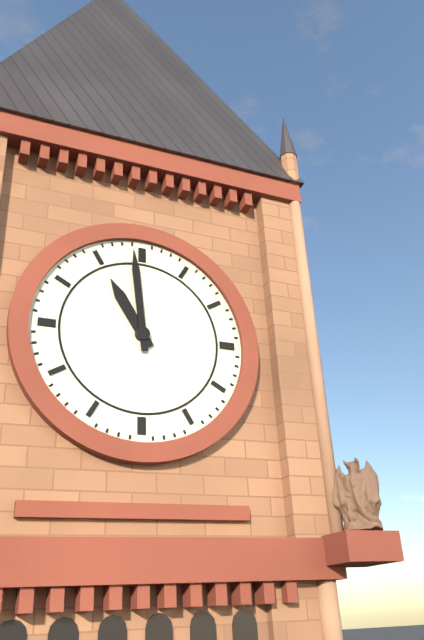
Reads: 10 h 59 min
